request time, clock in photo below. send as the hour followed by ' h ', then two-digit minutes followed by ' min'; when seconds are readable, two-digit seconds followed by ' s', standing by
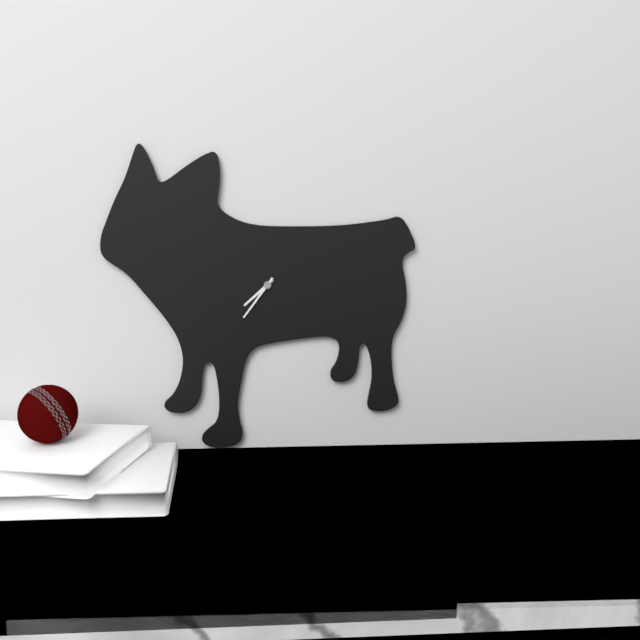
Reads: 7 h 36 min
